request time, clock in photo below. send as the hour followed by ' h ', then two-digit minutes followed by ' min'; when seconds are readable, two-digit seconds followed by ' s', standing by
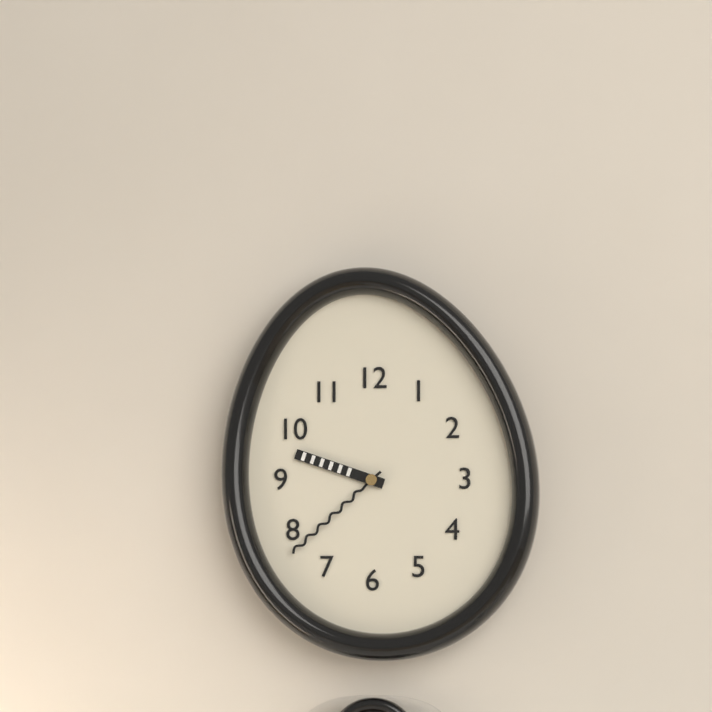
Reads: 9 h 38 min
